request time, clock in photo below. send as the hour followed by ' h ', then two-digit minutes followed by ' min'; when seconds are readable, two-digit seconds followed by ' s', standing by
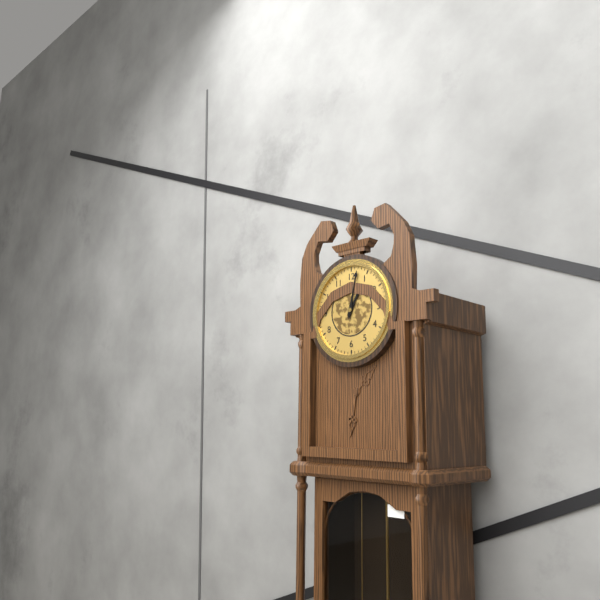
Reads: 1 h 02 min
